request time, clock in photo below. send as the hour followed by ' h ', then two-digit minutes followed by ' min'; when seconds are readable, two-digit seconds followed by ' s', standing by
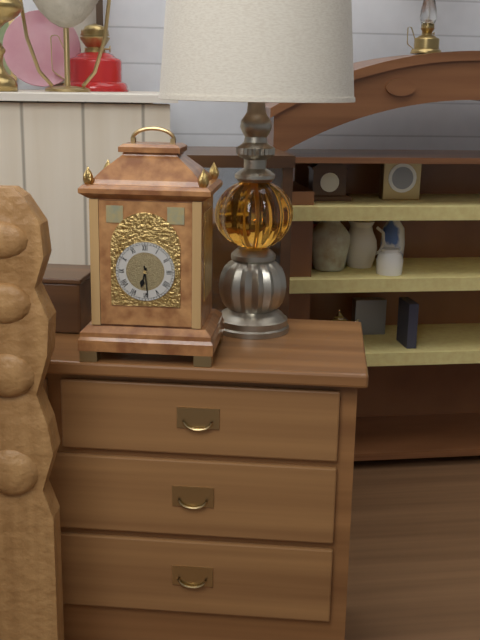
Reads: 6 h 29 min
